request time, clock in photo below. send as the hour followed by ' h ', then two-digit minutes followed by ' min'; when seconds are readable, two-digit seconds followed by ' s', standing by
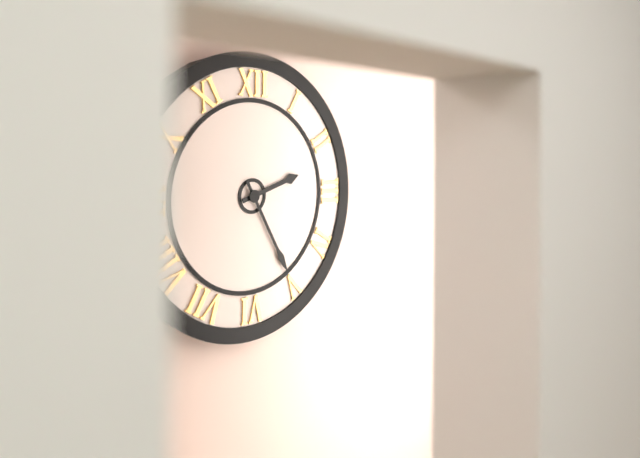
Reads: 2 h 25 min
